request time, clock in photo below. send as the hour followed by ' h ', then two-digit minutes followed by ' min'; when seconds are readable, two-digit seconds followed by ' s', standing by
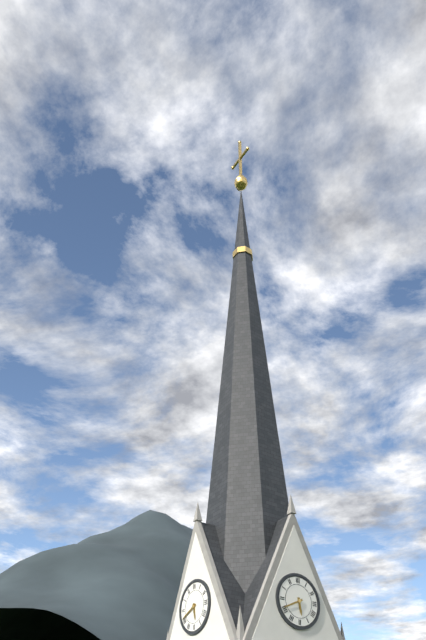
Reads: 5 h 41 min
